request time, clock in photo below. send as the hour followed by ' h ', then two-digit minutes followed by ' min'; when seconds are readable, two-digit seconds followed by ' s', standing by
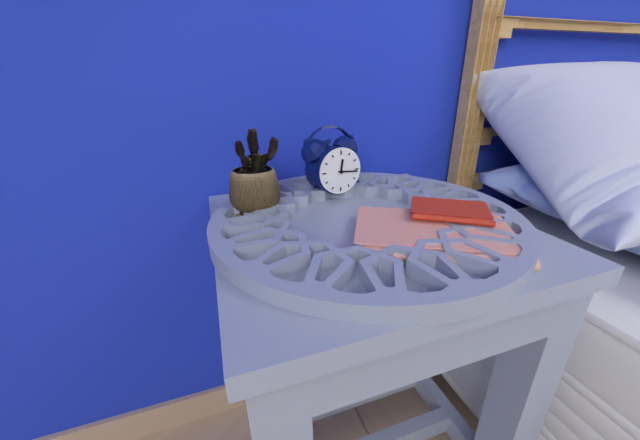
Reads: 12 h 16 min
